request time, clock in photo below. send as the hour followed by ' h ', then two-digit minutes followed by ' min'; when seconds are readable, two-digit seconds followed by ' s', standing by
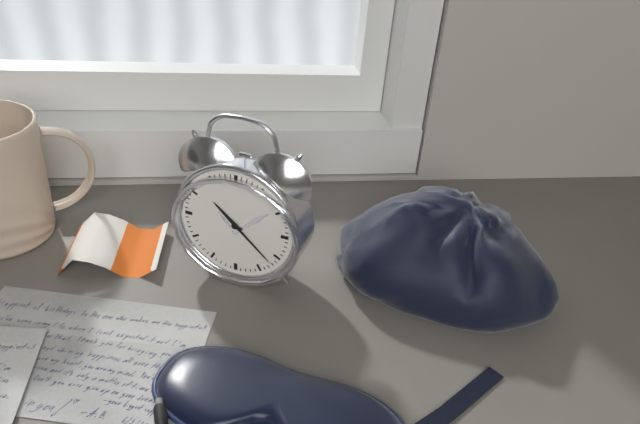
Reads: 10 h 22 min
